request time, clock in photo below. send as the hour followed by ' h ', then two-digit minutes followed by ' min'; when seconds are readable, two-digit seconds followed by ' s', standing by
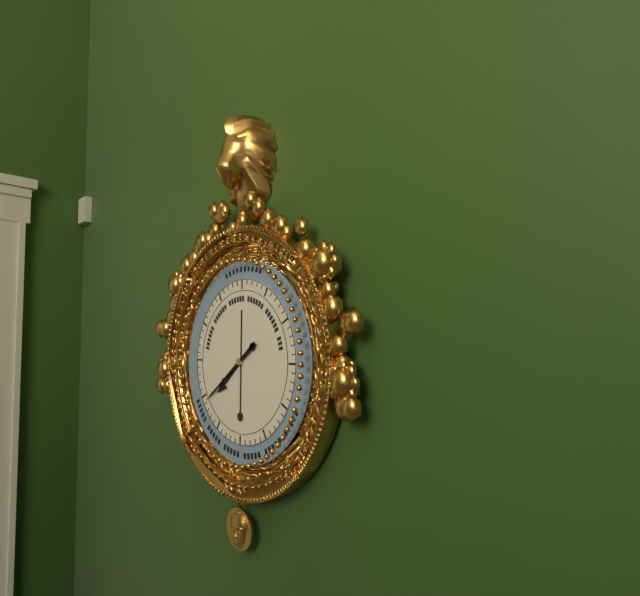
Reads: 7 h 39 min
